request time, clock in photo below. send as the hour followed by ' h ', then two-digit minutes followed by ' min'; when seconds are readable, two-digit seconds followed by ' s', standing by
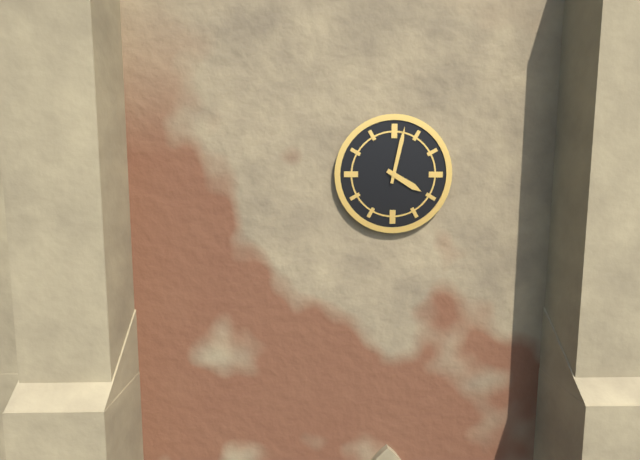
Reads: 4 h 02 min
